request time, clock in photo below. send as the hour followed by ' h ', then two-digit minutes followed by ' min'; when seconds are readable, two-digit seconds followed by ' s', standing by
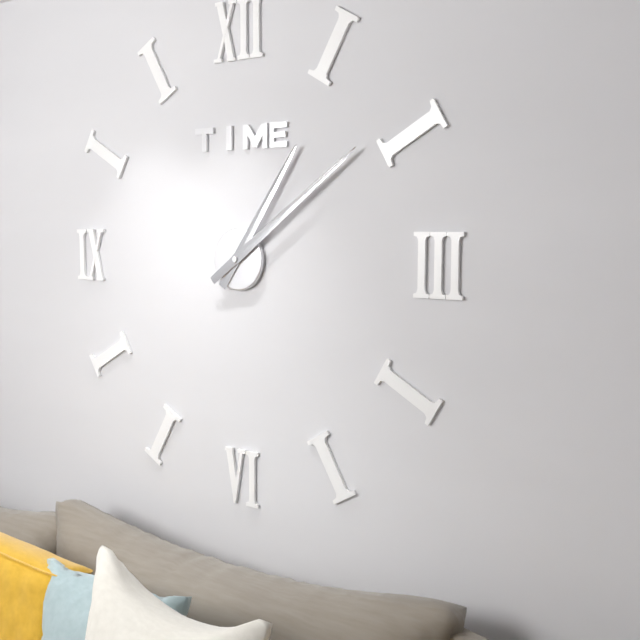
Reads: 1 h 09 min
